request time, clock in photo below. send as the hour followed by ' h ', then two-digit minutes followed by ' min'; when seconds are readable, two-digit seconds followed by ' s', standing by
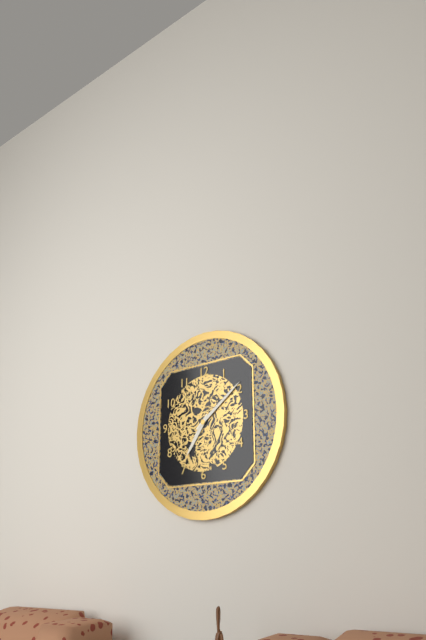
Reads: 7 h 09 min
